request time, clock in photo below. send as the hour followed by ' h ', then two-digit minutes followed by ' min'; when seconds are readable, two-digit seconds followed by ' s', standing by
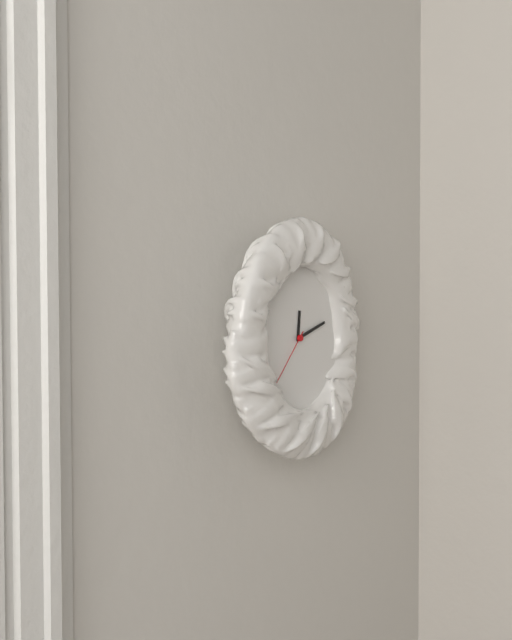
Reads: 12 h 12 min 37 s
